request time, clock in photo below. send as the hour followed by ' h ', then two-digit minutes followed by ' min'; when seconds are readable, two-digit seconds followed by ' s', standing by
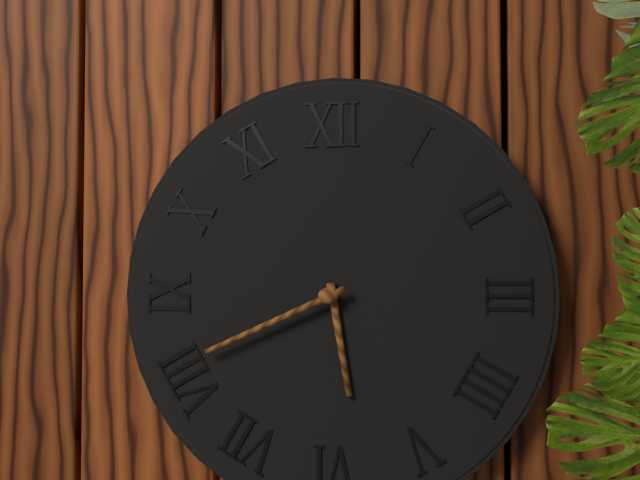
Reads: 5 h 41 min
